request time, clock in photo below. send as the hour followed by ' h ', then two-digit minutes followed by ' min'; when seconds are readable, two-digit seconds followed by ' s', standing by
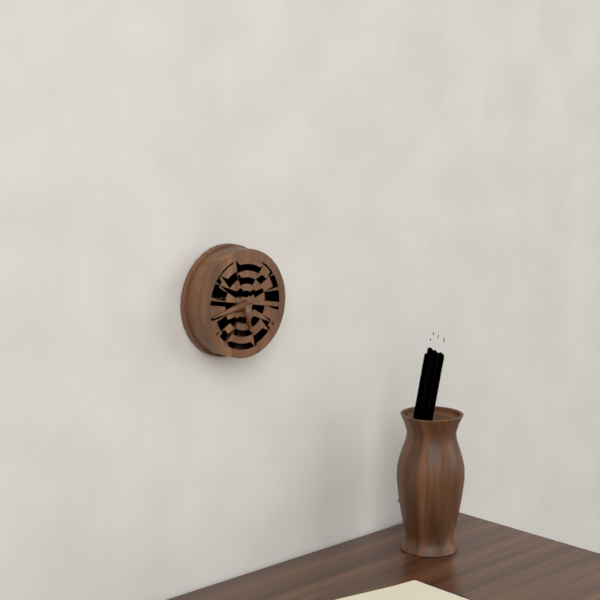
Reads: 5 h 43 min
